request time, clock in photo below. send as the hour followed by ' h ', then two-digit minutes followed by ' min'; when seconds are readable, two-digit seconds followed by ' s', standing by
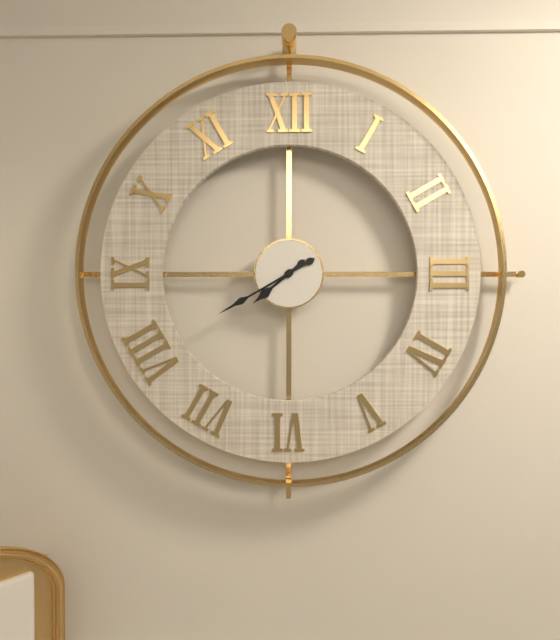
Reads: 7 h 40 min
